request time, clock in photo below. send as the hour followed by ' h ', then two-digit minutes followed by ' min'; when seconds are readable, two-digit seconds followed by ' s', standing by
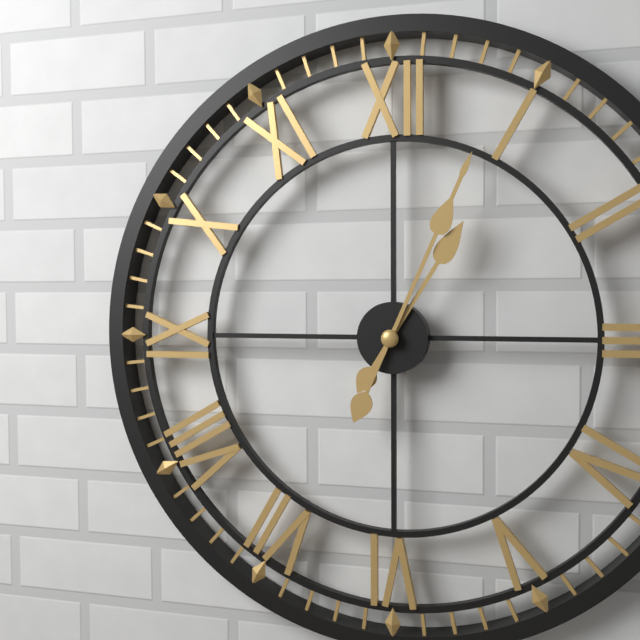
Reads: 1 h 04 min
